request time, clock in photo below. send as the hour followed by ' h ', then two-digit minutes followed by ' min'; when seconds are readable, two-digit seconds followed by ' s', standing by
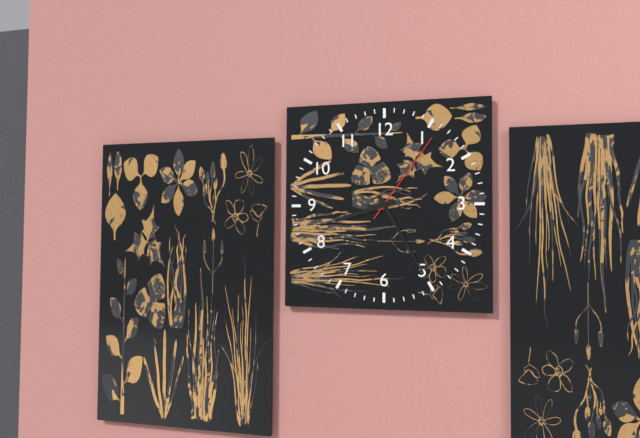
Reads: 8 h 25 min 06 s
